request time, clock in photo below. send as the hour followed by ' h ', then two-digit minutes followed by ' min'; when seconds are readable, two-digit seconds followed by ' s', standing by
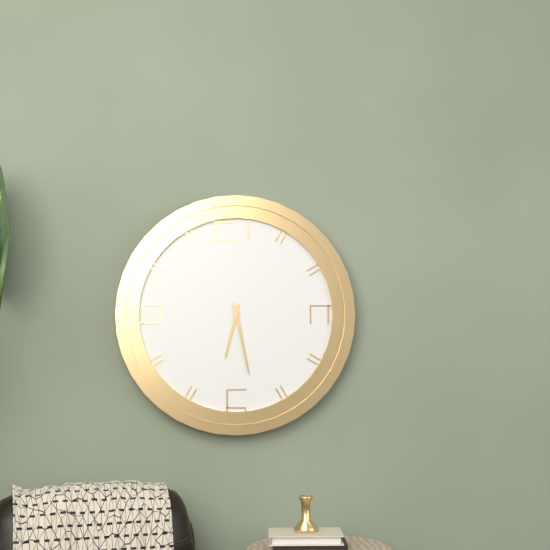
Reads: 6 h 28 min
